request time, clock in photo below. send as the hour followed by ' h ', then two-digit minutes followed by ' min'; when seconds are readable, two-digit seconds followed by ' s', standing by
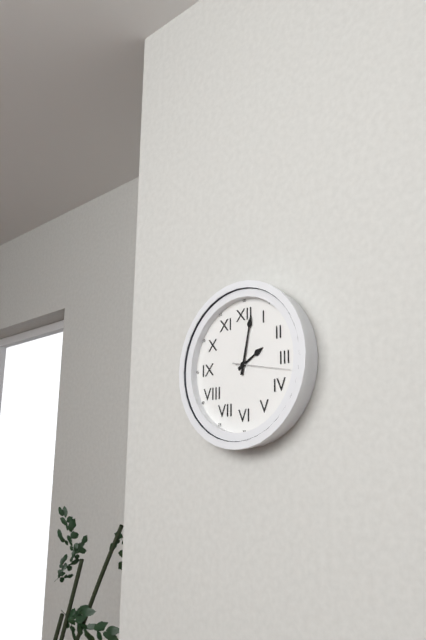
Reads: 2 h 02 min
